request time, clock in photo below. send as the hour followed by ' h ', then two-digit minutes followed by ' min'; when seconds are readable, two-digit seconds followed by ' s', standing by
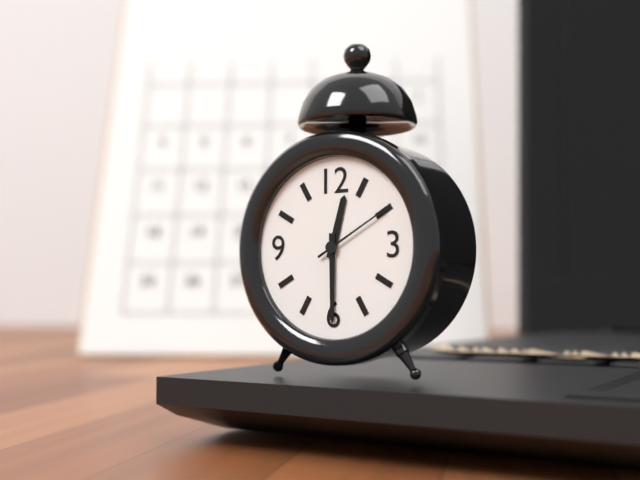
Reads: 12 h 30 min 10 s
